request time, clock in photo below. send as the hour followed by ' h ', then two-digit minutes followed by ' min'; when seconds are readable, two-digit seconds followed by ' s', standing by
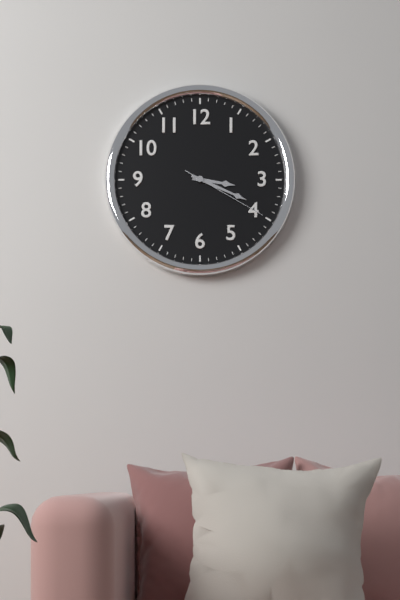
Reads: 3 h 19 min 20 s
